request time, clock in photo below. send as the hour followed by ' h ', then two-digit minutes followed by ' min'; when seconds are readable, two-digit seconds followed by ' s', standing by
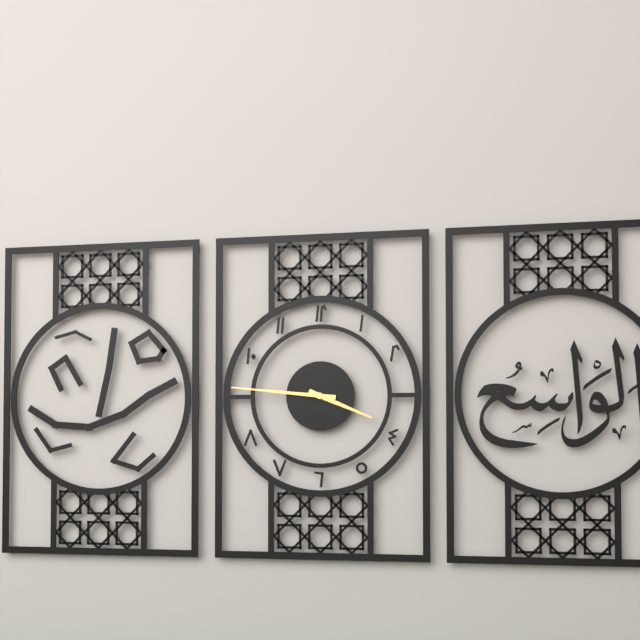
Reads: 3 h 46 min
